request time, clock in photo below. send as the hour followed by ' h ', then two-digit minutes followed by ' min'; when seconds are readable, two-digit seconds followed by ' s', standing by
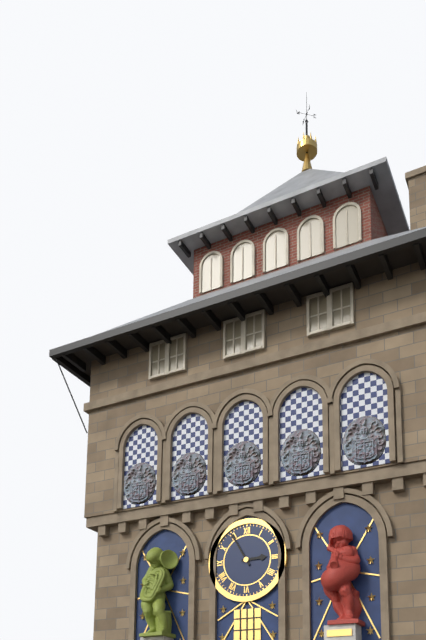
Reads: 2 h 55 min
